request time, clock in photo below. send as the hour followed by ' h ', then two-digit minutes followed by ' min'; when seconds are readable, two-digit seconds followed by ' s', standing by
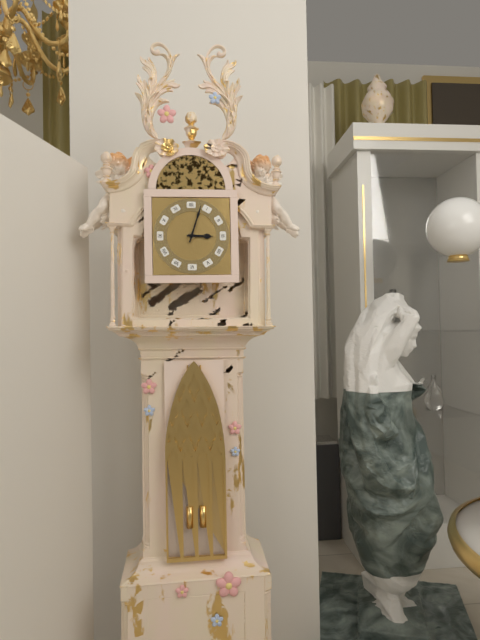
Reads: 3 h 03 min
